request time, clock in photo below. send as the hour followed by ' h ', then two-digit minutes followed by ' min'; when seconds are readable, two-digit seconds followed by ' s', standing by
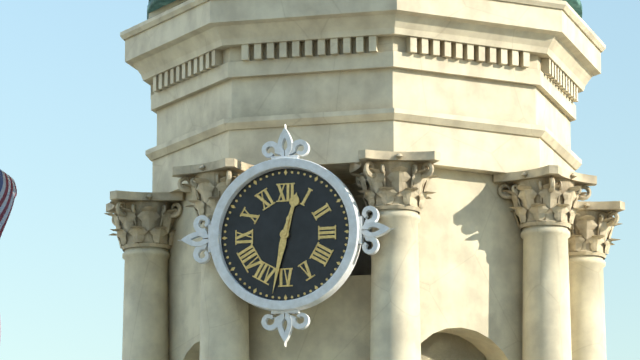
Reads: 12 h 32 min
